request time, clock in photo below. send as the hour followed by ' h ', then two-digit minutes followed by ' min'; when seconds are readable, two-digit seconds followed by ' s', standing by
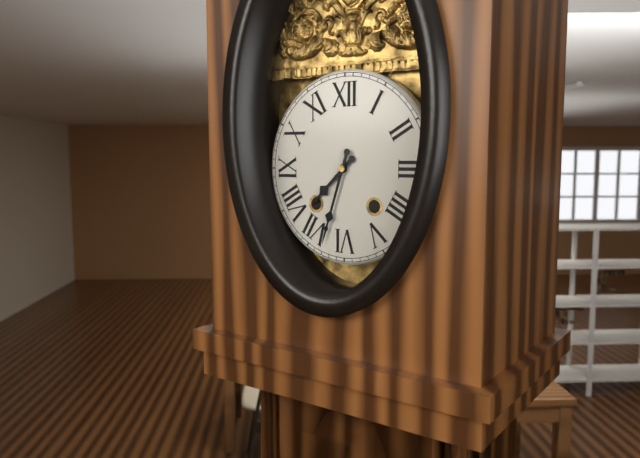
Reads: 7 h 33 min
